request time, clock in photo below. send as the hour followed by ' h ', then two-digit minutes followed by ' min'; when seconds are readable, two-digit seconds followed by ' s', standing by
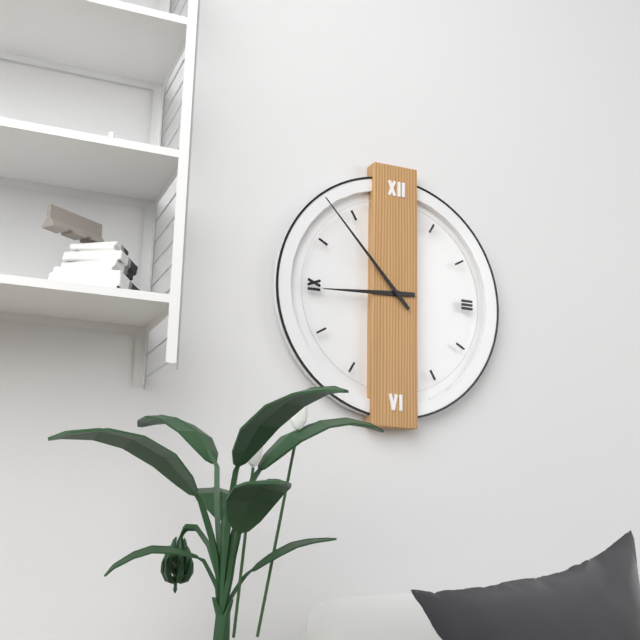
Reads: 8 h 53 min
